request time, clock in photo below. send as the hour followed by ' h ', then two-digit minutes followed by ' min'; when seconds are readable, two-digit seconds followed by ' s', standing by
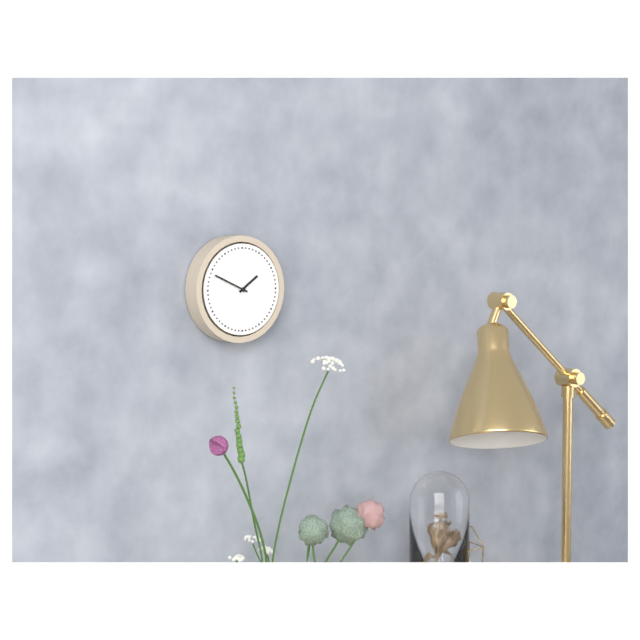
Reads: 1 h 49 min
